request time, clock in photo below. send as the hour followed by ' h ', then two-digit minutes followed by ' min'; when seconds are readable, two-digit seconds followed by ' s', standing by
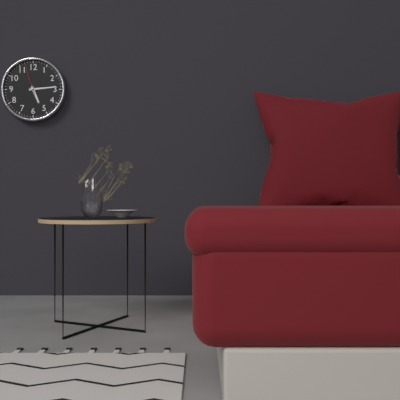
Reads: 5 h 14 min
